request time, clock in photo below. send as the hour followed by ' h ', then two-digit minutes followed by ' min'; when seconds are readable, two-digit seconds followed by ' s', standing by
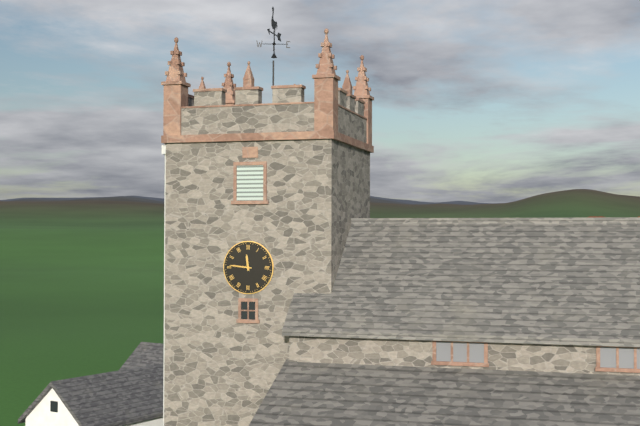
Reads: 11 h 46 min
